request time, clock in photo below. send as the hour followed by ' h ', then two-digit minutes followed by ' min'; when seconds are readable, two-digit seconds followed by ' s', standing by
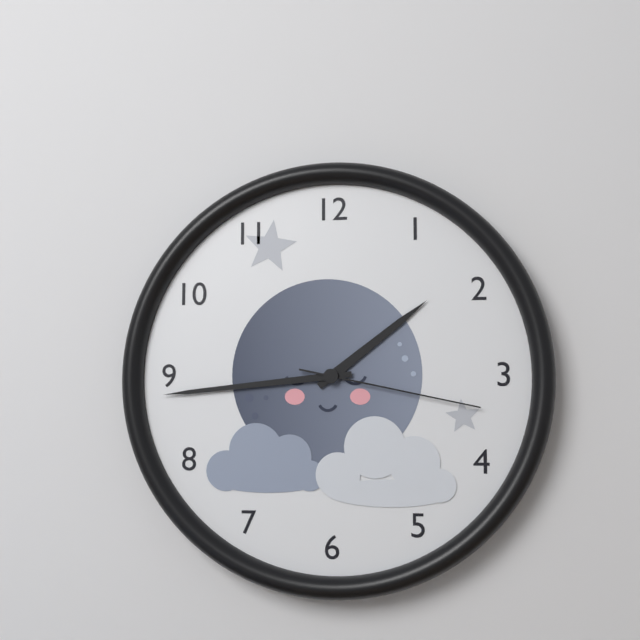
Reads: 1 h 44 min 17 s
